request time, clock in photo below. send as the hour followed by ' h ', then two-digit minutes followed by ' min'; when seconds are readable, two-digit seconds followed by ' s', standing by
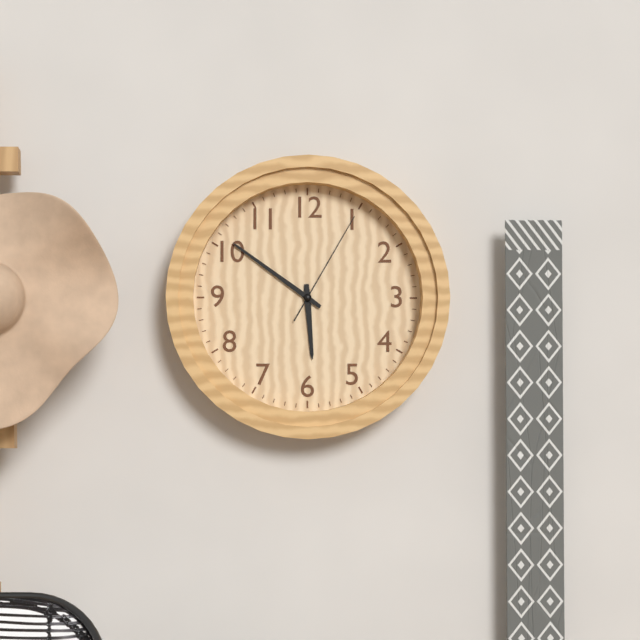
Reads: 5 h 51 min 05 s
